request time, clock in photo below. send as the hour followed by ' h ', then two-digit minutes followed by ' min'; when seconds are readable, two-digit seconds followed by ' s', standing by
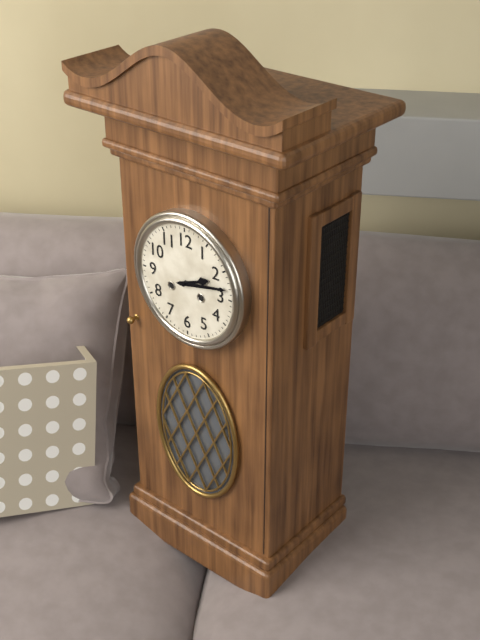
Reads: 2 h 13 min
